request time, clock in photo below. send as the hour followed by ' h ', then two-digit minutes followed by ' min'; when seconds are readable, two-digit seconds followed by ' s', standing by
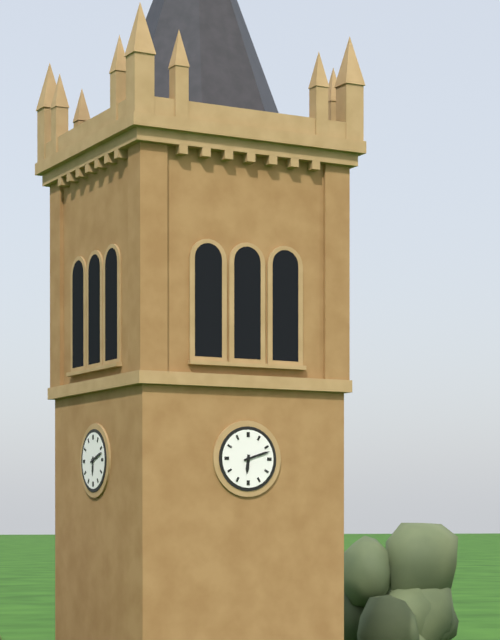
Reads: 6 h 12 min
